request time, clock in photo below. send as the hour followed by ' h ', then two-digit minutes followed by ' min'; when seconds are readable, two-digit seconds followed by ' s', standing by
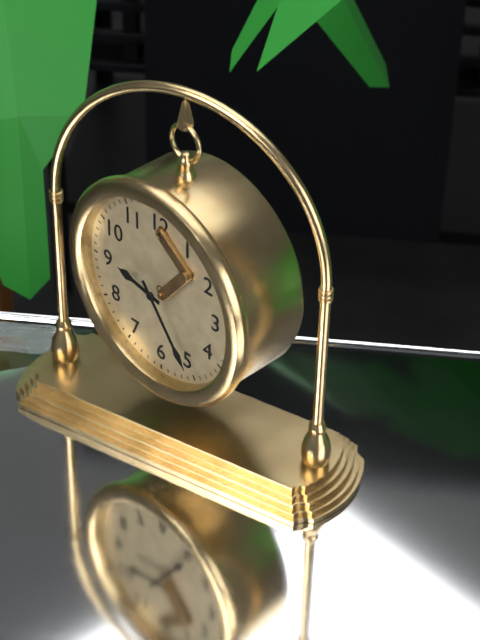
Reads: 9 h 24 min
